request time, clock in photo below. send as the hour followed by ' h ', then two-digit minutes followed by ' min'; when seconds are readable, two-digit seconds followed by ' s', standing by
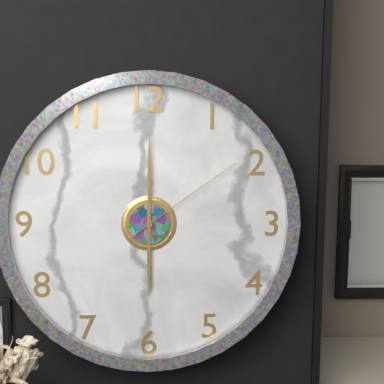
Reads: 6 h 00 min 09 s
